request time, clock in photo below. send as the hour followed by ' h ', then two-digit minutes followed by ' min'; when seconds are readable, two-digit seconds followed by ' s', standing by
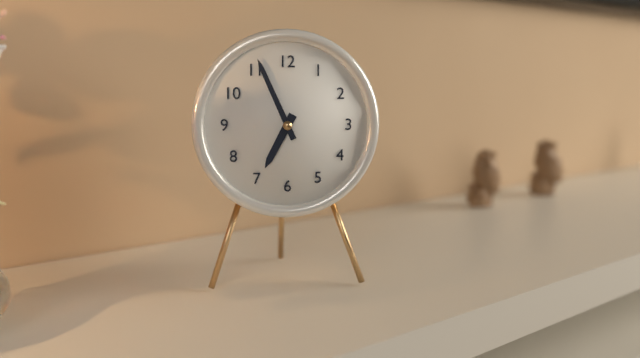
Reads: 6 h 56 min
